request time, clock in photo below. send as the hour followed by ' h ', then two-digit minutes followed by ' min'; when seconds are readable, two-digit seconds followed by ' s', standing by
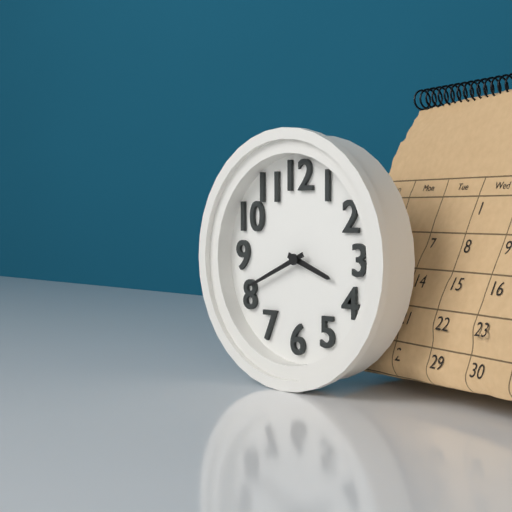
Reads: 3 h 41 min
